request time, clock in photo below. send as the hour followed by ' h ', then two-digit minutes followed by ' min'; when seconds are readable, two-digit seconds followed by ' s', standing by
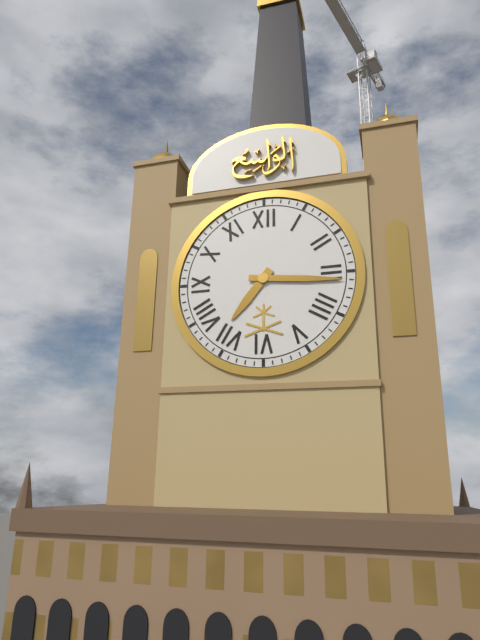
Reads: 7 h 16 min
